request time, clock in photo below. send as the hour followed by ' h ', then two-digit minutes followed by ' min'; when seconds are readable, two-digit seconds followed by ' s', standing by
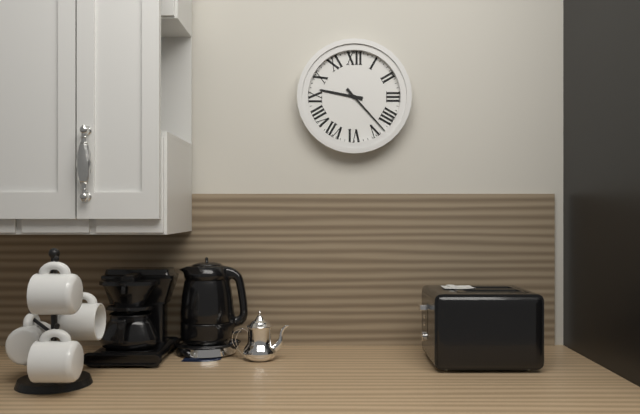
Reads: 9 h 23 min
